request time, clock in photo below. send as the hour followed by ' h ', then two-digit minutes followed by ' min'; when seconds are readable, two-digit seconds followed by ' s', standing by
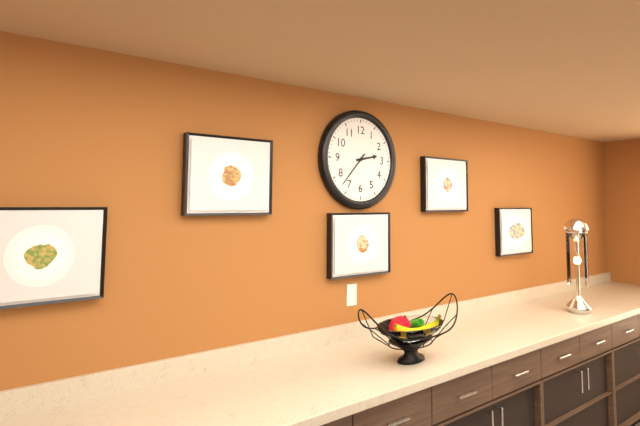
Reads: 2 h 37 min
